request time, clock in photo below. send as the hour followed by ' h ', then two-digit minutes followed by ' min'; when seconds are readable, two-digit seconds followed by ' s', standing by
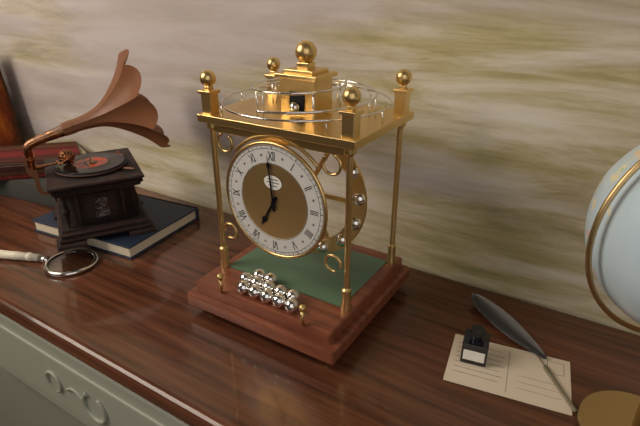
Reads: 6 h 59 min
